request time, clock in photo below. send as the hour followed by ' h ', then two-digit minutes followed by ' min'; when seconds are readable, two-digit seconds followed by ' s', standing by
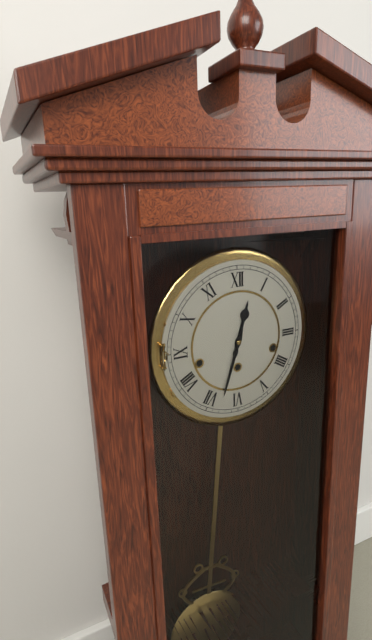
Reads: 12 h 33 min
